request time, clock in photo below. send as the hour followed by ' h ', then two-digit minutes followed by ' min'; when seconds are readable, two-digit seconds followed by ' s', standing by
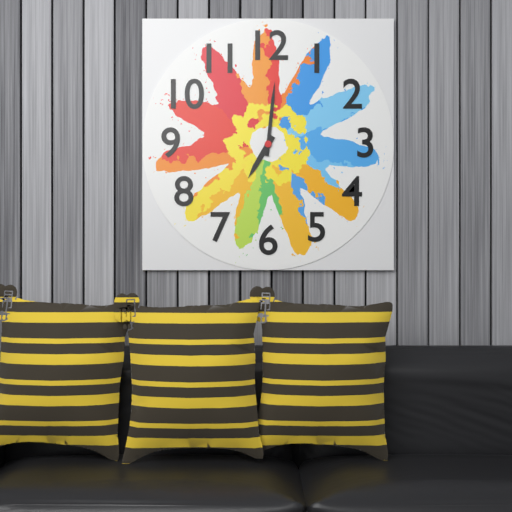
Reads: 7 h 01 min
